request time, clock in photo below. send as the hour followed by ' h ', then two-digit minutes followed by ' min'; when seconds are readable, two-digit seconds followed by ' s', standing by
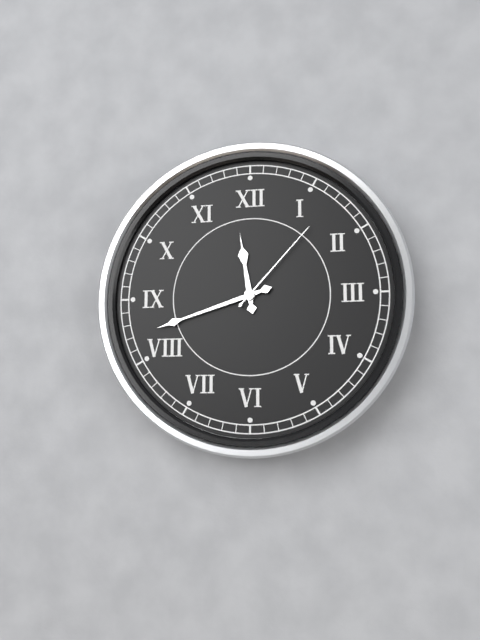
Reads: 11 h 42 min 07 s
